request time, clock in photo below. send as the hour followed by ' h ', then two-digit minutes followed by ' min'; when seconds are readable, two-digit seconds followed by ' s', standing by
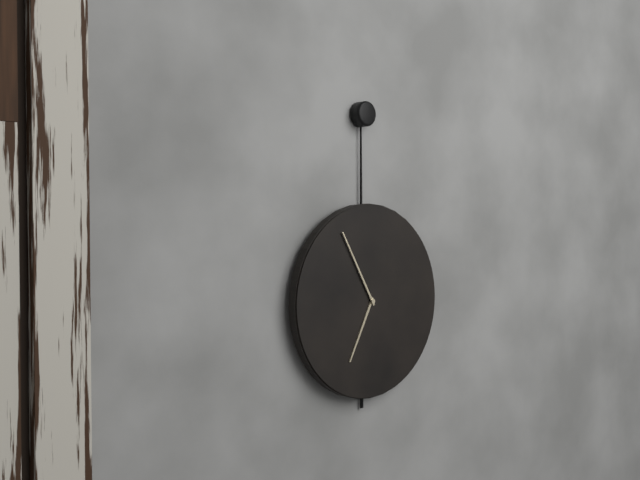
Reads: 6 h 55 min
